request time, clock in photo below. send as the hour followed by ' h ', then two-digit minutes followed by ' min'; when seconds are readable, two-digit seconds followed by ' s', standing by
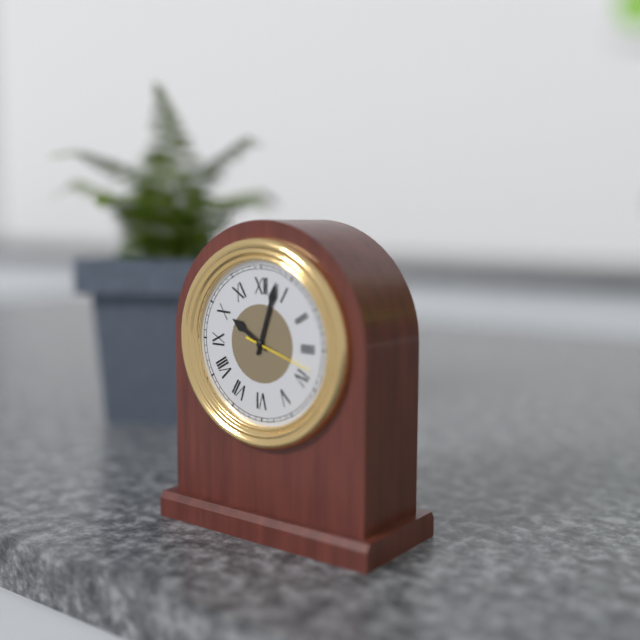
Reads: 10 h 03 min
